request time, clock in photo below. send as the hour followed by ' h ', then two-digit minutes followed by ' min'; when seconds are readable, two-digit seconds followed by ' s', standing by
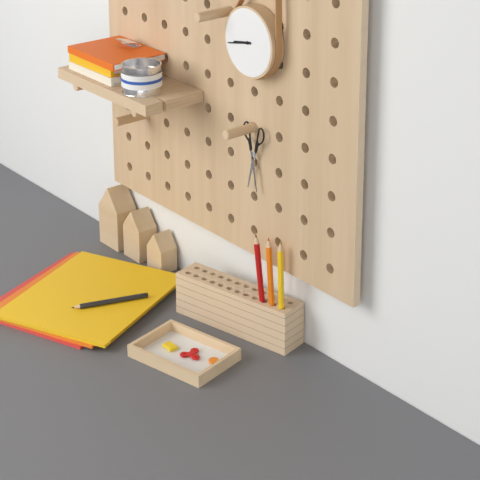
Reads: 8 h 43 min
